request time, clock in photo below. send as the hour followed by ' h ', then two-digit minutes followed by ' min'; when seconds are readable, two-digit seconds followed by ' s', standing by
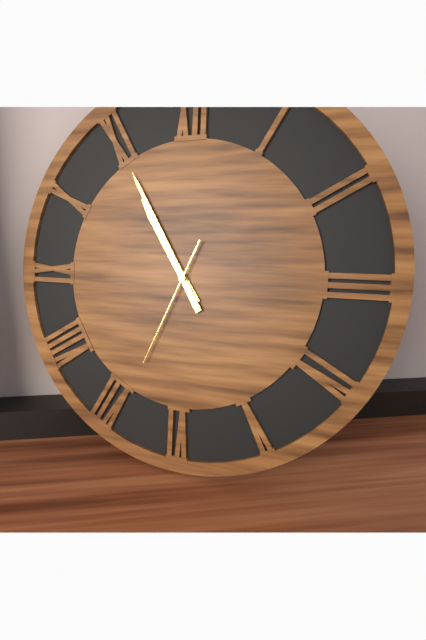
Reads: 10 h 55 min 34 s
